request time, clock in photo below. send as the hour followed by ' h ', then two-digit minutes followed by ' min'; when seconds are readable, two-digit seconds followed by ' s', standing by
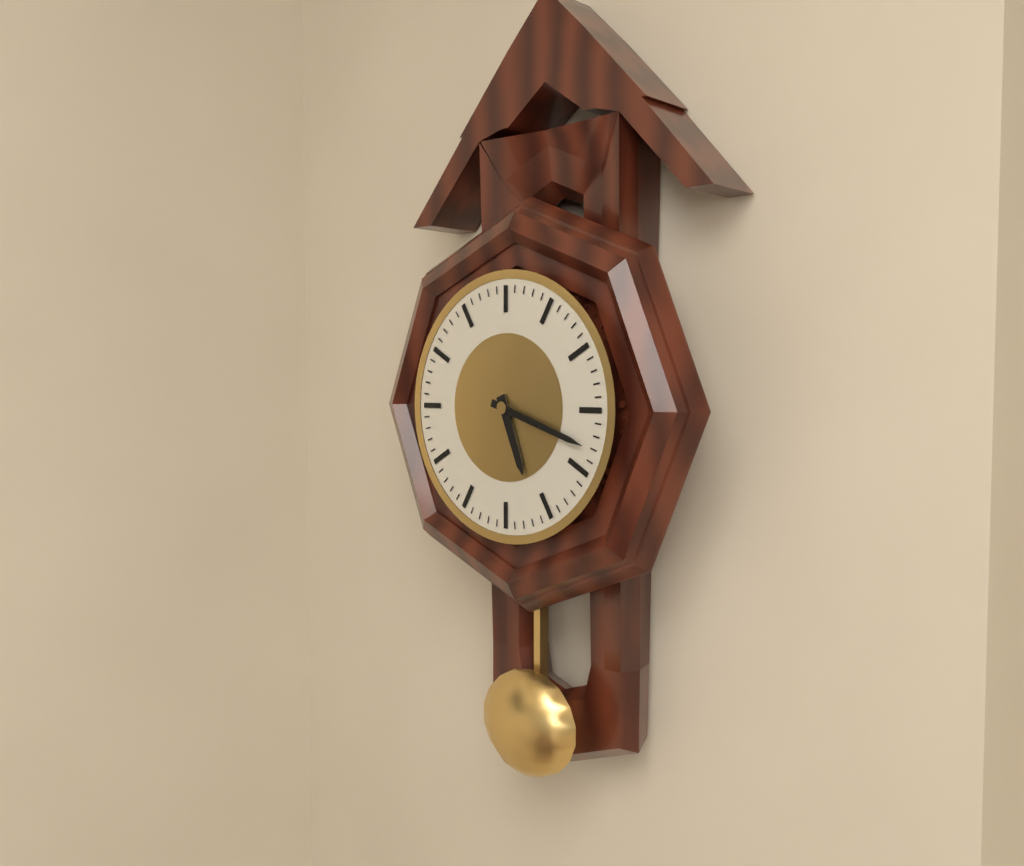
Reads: 5 h 18 min
